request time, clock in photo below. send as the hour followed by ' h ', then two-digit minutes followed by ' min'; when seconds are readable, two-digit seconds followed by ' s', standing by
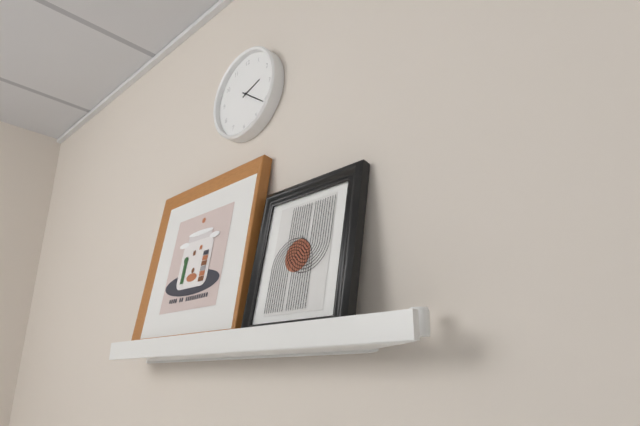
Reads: 2 h 21 min
